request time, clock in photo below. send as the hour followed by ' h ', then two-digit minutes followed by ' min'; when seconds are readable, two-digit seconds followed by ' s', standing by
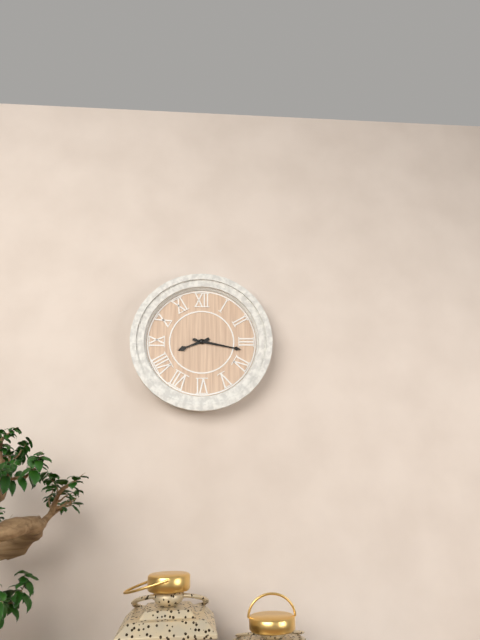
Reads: 8 h 17 min
